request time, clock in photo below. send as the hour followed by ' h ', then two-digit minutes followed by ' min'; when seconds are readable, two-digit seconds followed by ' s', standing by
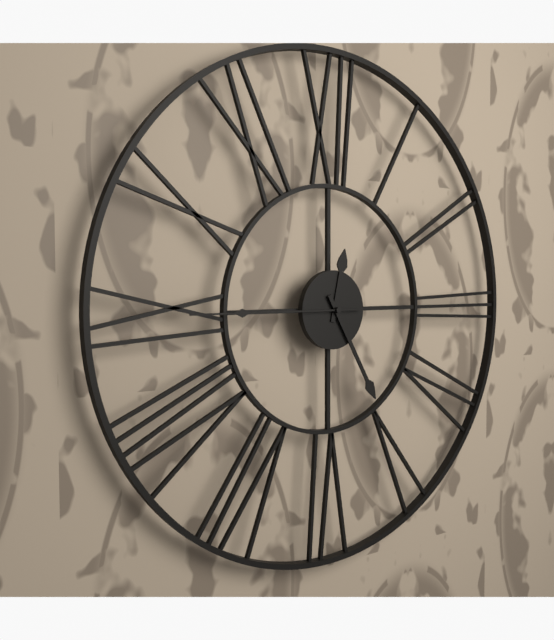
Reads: 12 h 25 min 45 s
